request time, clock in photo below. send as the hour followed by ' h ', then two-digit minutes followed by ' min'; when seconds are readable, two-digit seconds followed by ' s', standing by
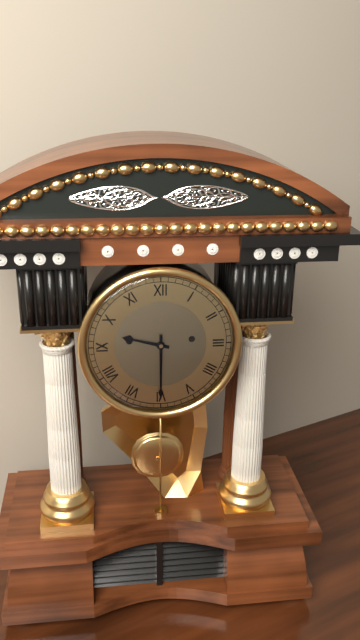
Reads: 9 h 30 min
